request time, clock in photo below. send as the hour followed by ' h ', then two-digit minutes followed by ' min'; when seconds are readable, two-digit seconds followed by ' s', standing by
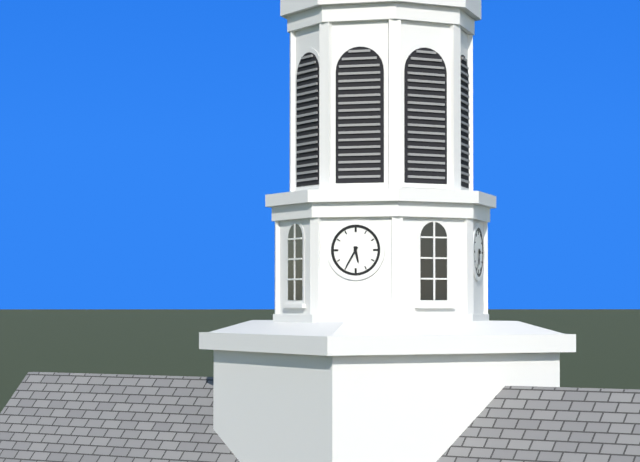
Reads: 5 h 35 min
